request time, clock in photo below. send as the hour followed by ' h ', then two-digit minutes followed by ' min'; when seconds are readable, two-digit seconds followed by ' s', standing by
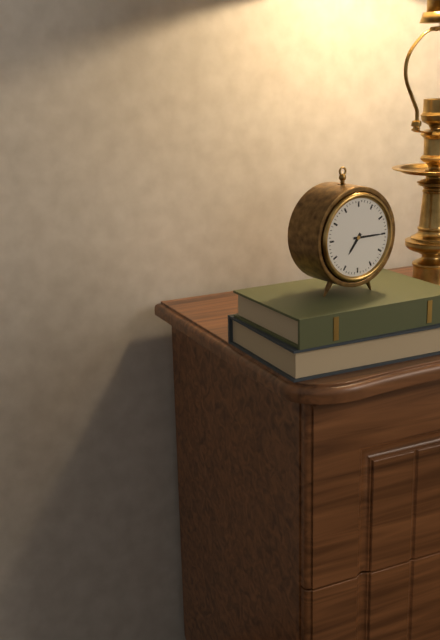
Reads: 7 h 15 min
